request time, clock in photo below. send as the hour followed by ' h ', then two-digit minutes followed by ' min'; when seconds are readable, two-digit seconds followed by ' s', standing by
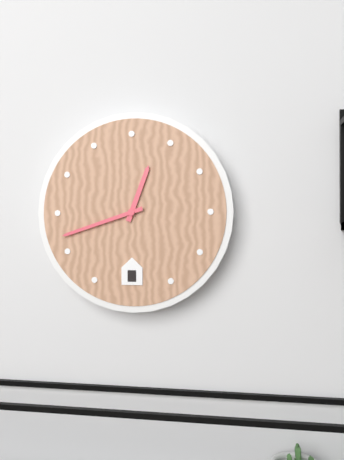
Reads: 12 h 42 min
